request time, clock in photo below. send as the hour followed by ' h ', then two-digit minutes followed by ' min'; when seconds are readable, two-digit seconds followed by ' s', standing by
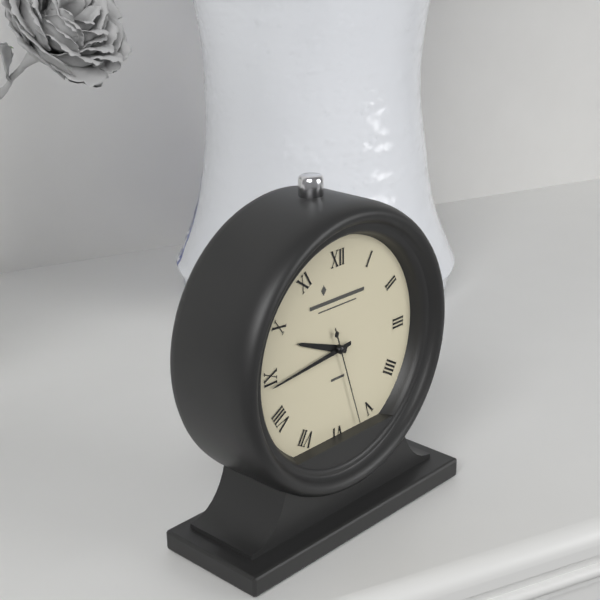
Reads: 9 h 44 min 27 s
